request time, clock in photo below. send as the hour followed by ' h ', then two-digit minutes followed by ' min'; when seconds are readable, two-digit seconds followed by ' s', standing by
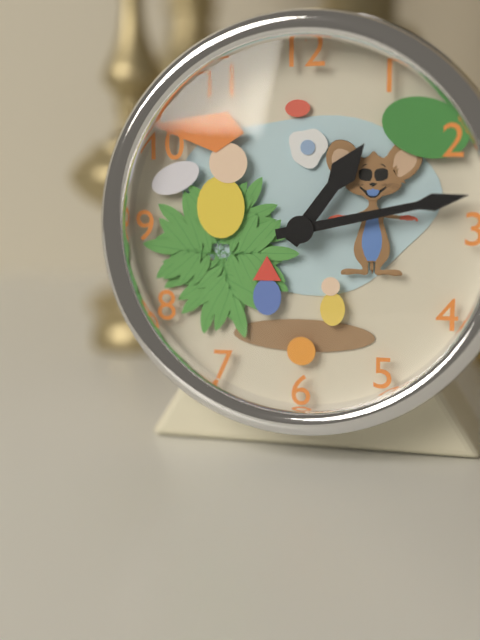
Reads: 1 h 13 min
